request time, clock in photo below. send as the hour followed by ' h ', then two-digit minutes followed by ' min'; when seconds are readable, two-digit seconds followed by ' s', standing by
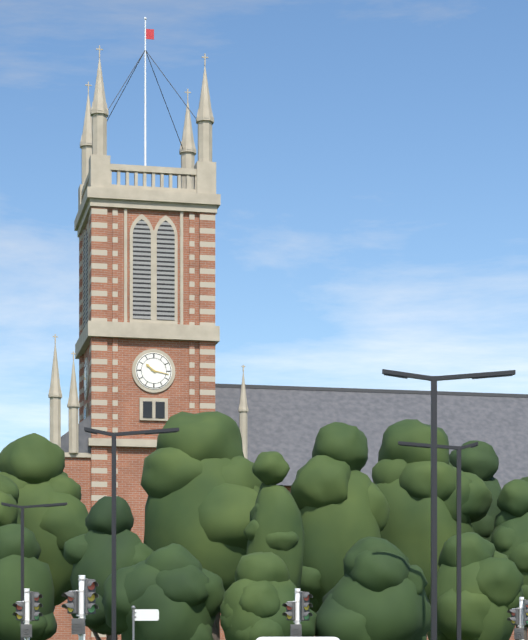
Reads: 10 h 17 min
